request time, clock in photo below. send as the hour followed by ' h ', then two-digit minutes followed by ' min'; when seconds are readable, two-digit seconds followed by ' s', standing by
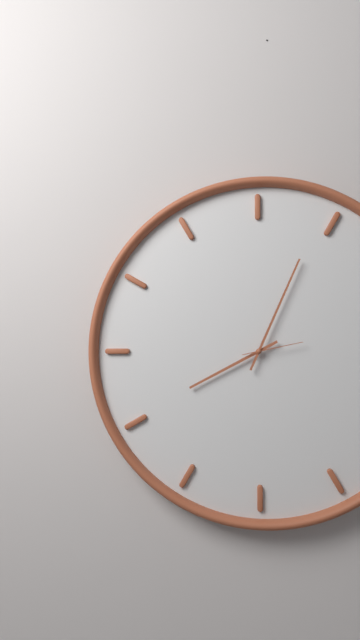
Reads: 8 h 04 min 13 s
